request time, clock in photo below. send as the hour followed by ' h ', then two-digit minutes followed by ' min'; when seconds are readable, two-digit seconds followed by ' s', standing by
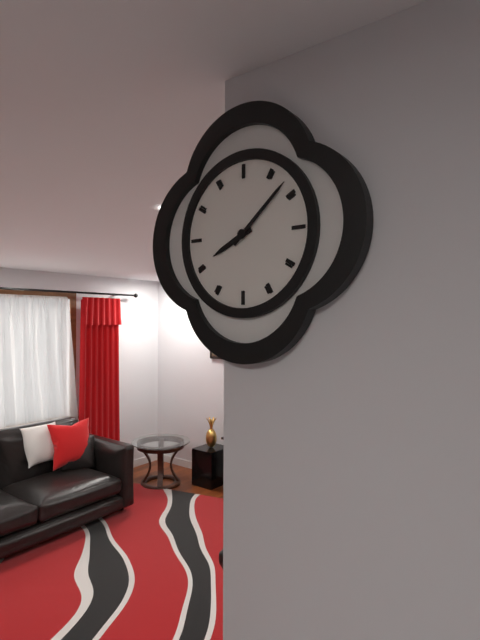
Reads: 8 h 08 min
